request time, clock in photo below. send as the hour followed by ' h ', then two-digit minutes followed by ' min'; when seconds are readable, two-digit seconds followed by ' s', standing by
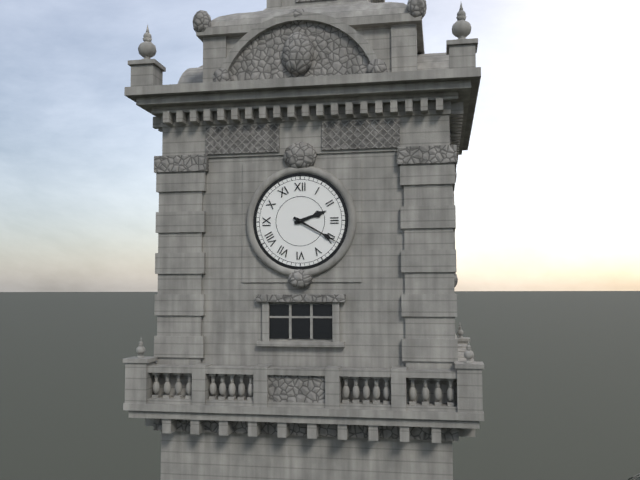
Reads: 2 h 20 min
